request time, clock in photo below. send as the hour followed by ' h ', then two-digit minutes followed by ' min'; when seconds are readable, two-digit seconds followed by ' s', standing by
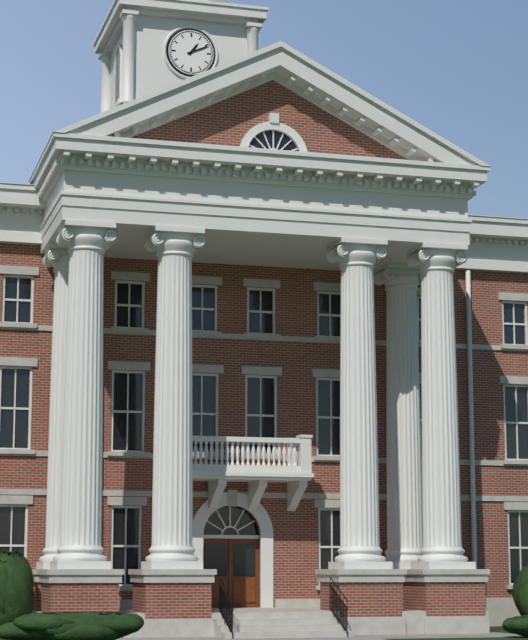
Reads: 1 h 11 min
